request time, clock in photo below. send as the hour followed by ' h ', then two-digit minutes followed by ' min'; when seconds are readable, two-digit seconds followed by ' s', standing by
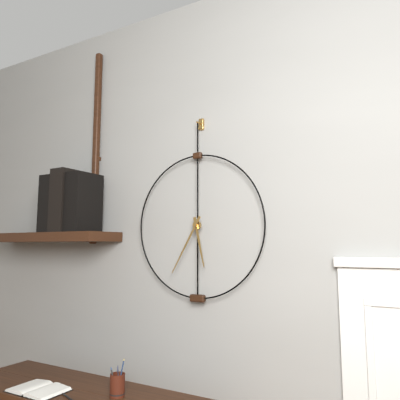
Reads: 5 h 35 min
